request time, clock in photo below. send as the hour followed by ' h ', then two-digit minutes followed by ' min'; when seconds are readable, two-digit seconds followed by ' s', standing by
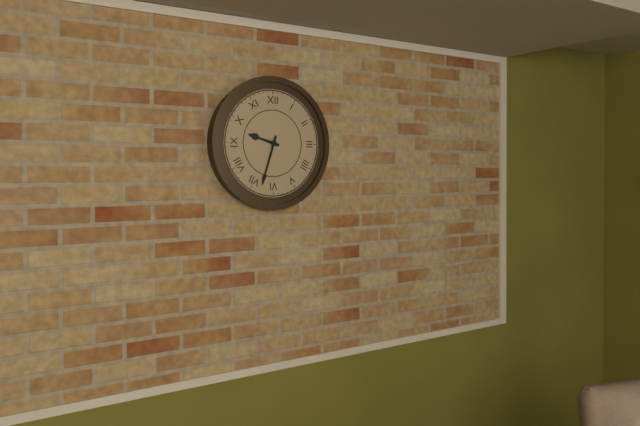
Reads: 9 h 33 min
